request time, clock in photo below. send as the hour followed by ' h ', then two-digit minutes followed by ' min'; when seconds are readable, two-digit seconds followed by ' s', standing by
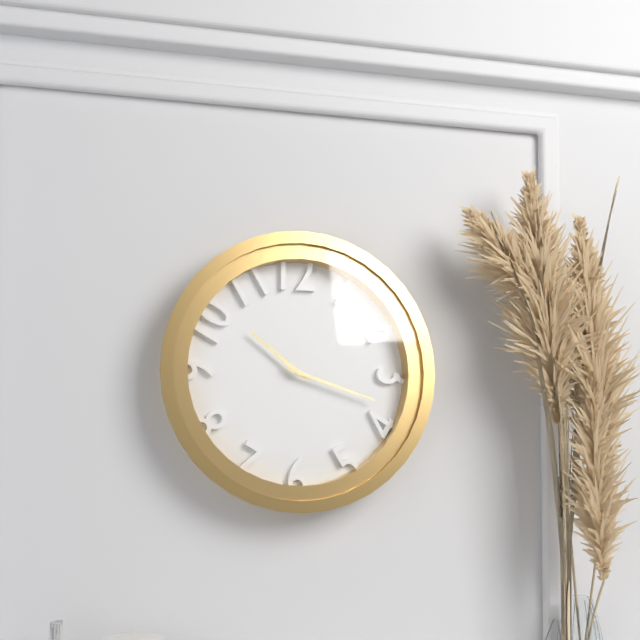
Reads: 10 h 18 min
